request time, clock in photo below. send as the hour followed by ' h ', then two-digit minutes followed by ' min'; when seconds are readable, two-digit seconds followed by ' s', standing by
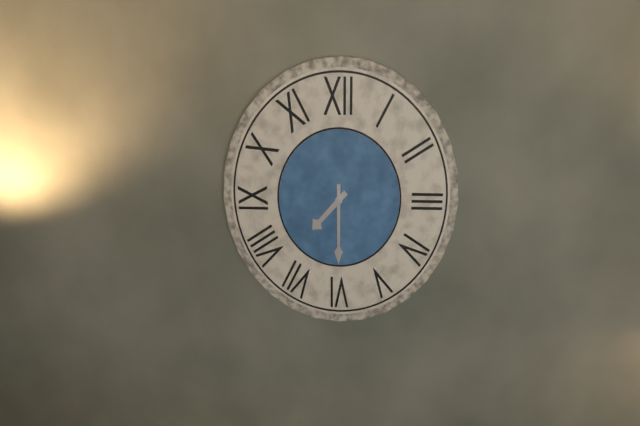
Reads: 7 h 30 min
